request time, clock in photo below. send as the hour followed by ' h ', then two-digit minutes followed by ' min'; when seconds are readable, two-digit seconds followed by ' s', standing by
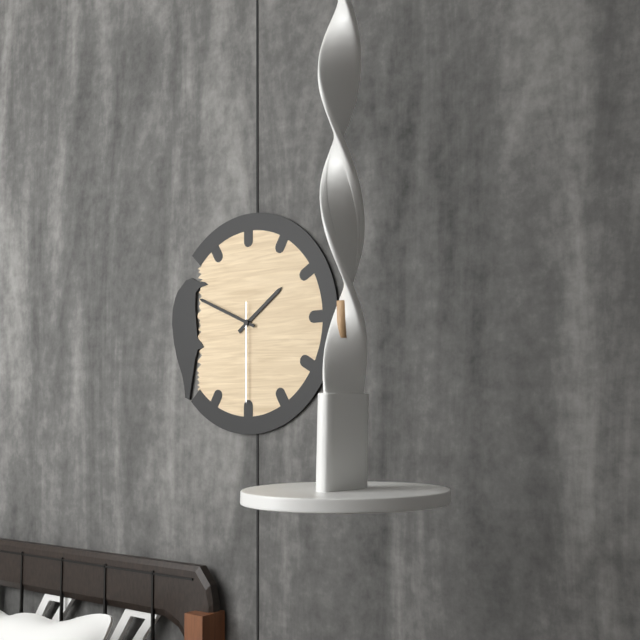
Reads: 1 h 49 min 30 s
